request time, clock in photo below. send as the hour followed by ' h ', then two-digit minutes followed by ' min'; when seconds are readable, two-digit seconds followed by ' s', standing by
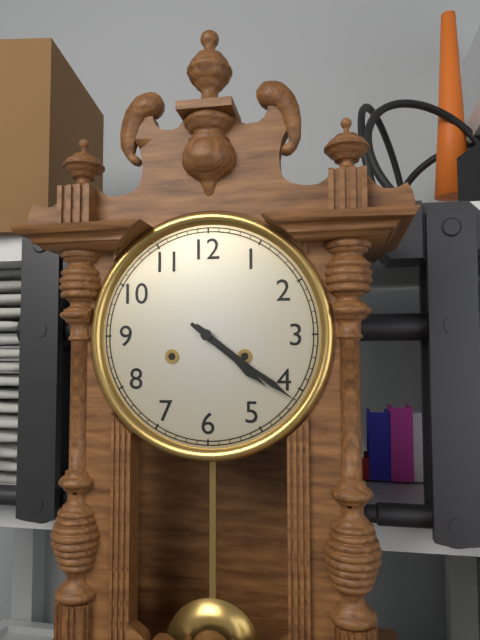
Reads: 4 h 21 min
